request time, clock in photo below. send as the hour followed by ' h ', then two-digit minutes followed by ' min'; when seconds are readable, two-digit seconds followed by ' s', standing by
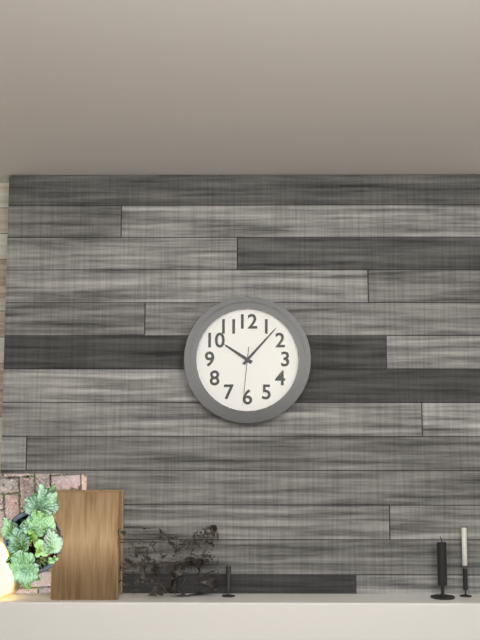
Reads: 10 h 07 min 31 s
